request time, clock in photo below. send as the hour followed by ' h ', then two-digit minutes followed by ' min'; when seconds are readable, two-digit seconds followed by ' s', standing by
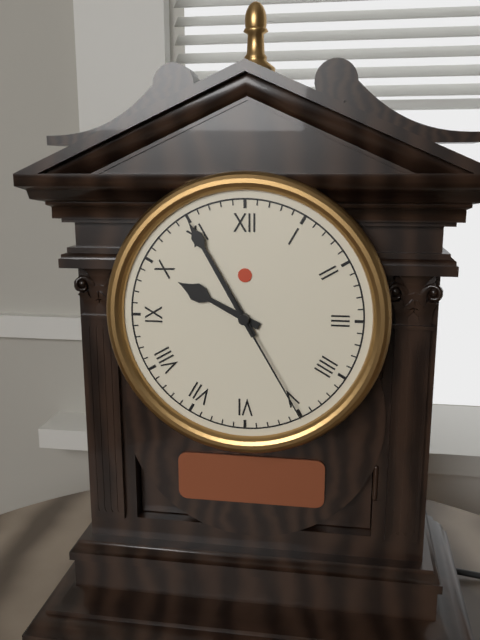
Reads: 9 h 55 min 25 s
